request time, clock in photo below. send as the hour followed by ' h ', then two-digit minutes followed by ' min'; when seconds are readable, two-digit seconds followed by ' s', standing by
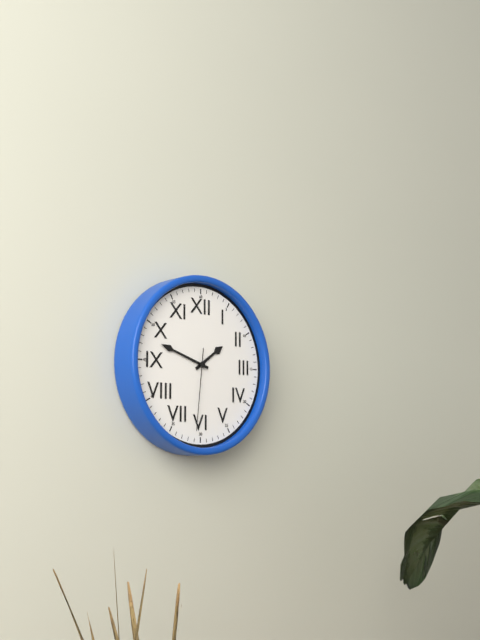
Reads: 1 h 48 min 31 s
